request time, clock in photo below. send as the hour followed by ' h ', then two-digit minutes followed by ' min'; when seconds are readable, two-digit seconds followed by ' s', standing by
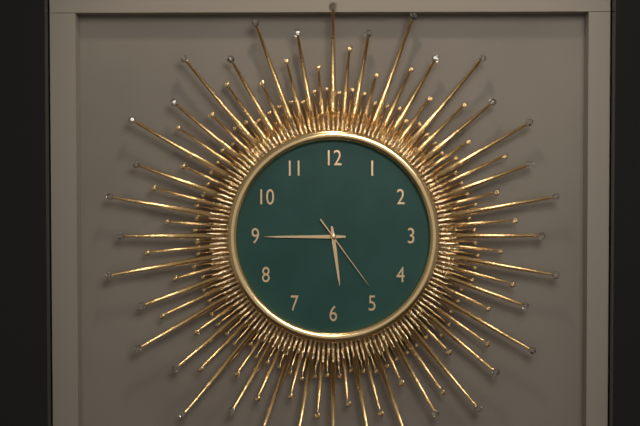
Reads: 5 h 45 min 24 s
